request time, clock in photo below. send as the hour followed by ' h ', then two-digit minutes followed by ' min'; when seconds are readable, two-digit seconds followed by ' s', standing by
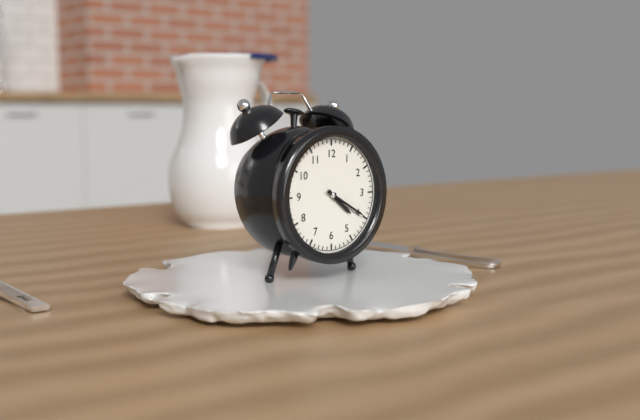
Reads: 4 h 20 min
